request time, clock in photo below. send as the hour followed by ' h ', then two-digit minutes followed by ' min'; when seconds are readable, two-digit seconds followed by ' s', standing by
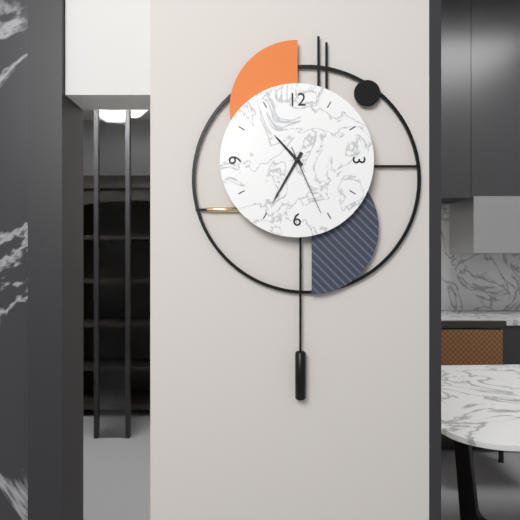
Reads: 10 h 35 min 26 s
